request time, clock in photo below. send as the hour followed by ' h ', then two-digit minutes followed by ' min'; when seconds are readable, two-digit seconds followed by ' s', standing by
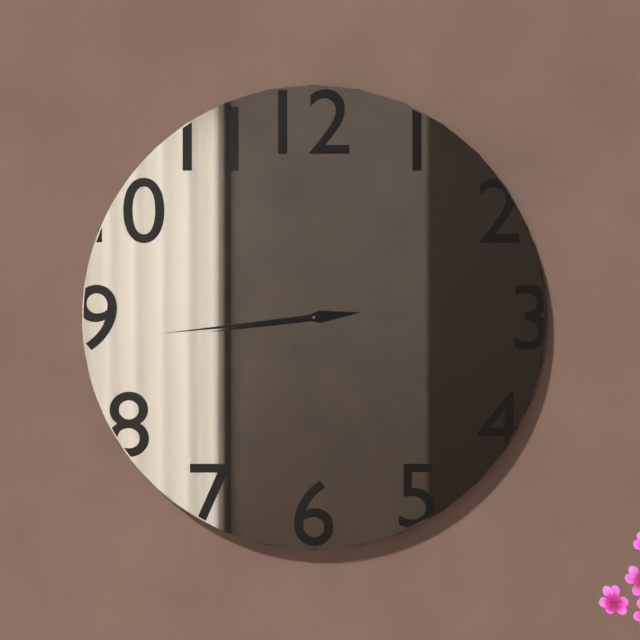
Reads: 8 h 44 min
